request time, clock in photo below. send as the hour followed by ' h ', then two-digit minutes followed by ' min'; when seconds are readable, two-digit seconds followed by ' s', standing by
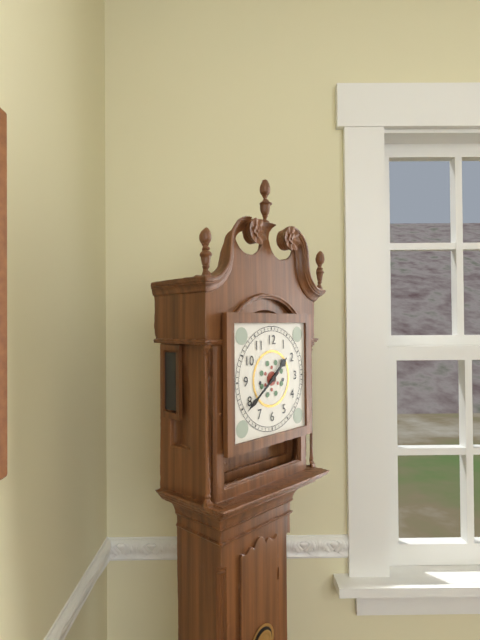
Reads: 1 h 39 min
